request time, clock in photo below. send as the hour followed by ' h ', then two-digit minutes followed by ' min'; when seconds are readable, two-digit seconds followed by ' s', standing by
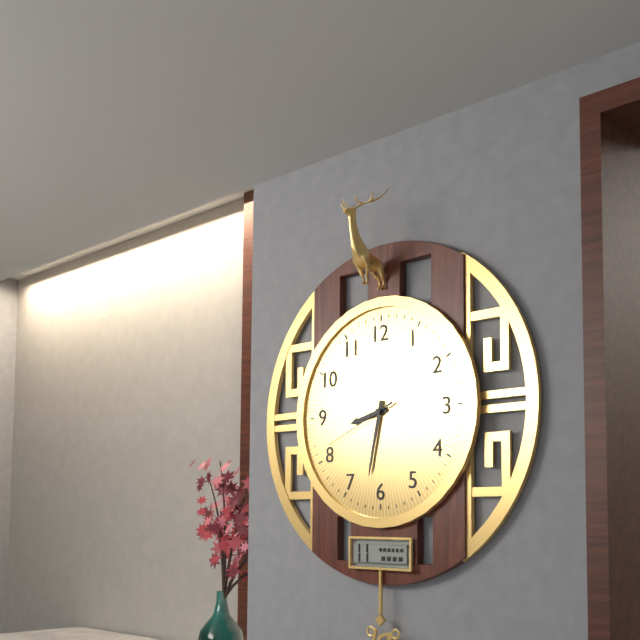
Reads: 8 h 32 min 41 s
